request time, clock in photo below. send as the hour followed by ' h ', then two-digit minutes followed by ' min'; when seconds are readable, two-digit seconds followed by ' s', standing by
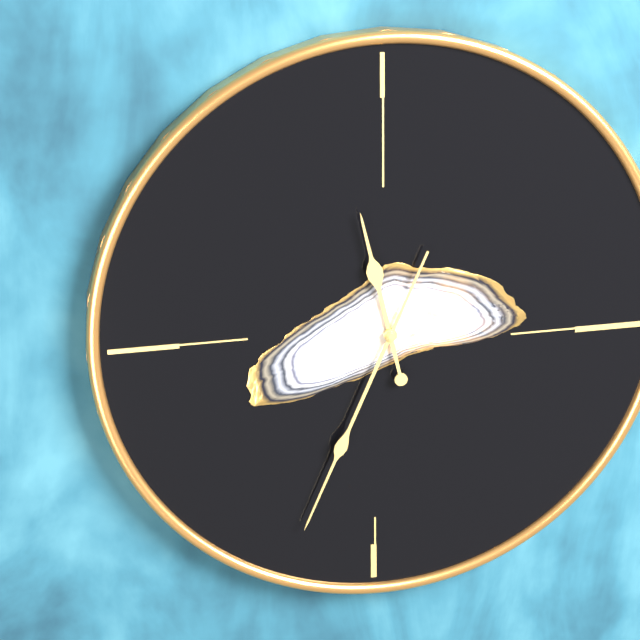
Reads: 11 h 34 min
